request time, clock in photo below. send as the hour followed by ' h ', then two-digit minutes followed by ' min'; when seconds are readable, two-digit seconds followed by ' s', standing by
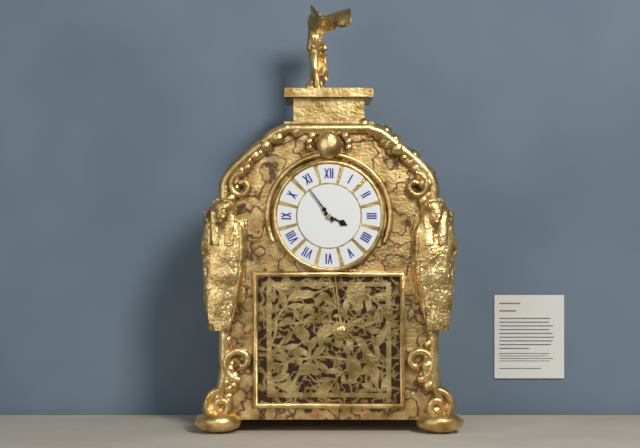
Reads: 3 h 54 min
